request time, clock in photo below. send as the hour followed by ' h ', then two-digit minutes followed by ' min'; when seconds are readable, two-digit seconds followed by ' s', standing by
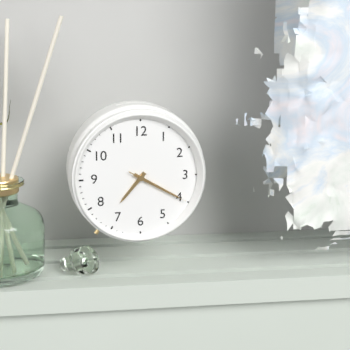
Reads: 7 h 20 min 20 s
